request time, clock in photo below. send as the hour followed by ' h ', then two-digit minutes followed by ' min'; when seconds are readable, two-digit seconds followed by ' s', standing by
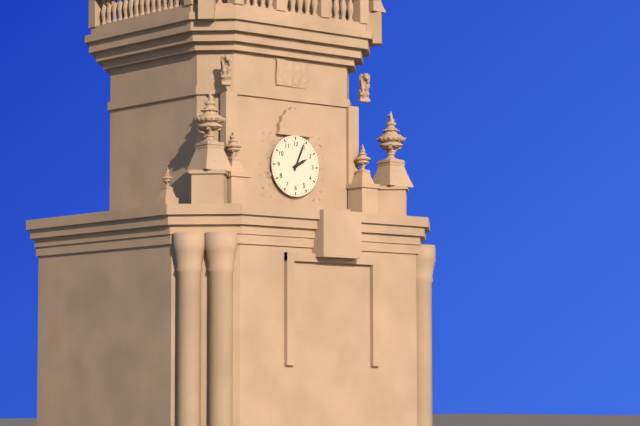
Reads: 2 h 04 min
